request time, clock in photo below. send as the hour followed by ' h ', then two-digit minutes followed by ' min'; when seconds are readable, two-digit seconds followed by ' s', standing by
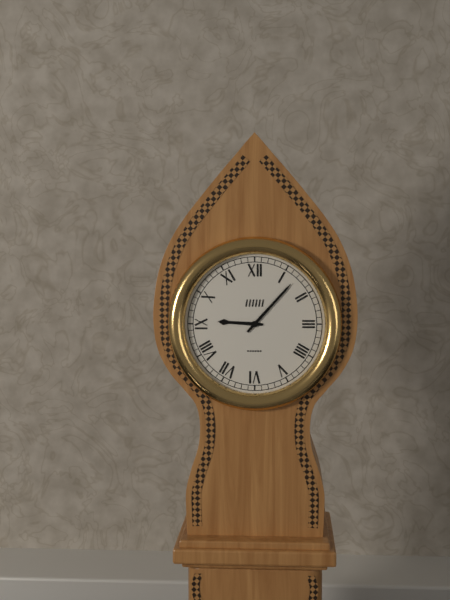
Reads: 9 h 07 min
